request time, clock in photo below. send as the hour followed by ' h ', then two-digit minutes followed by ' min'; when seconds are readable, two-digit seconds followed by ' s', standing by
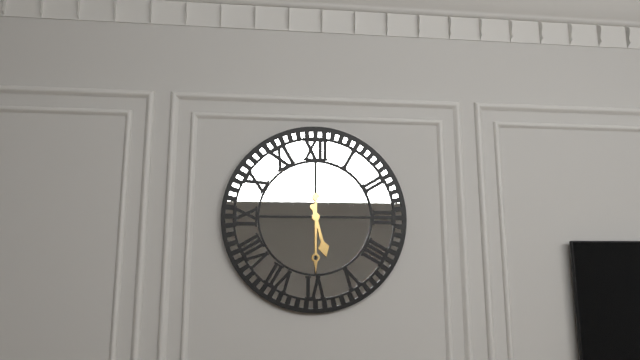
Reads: 5 h 30 min
